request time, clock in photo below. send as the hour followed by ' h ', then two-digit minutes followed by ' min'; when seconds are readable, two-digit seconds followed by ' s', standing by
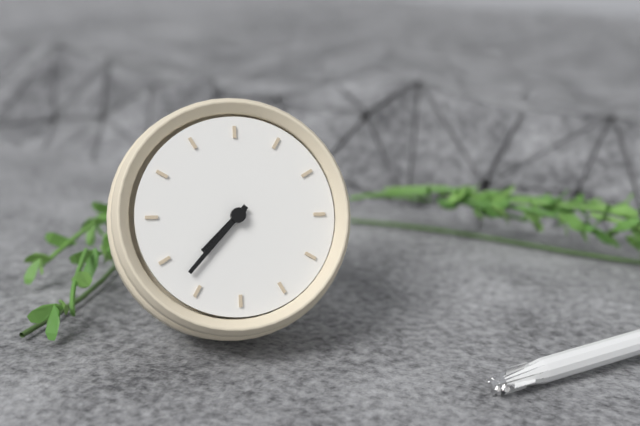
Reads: 6 h 32 min
